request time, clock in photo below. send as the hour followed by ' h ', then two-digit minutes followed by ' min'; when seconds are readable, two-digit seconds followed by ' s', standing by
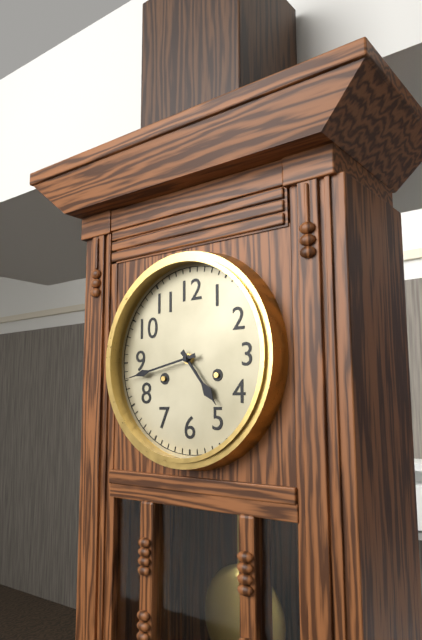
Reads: 4 h 43 min
